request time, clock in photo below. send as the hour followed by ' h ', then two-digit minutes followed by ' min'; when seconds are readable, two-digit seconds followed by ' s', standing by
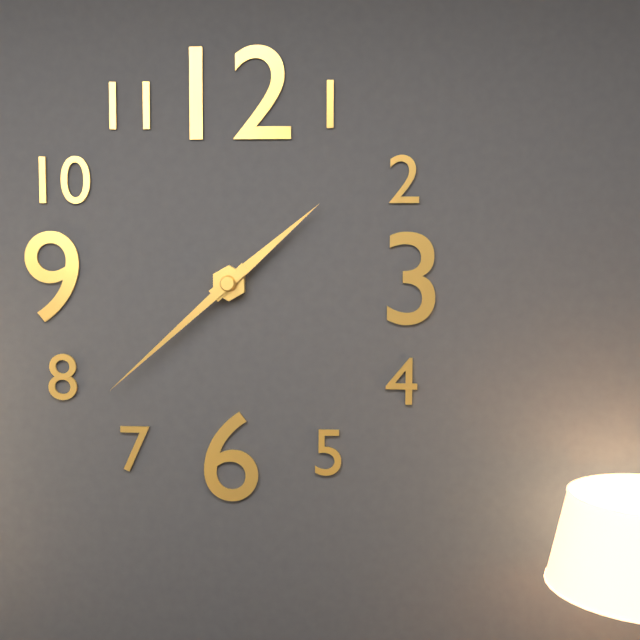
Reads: 1 h 38 min
